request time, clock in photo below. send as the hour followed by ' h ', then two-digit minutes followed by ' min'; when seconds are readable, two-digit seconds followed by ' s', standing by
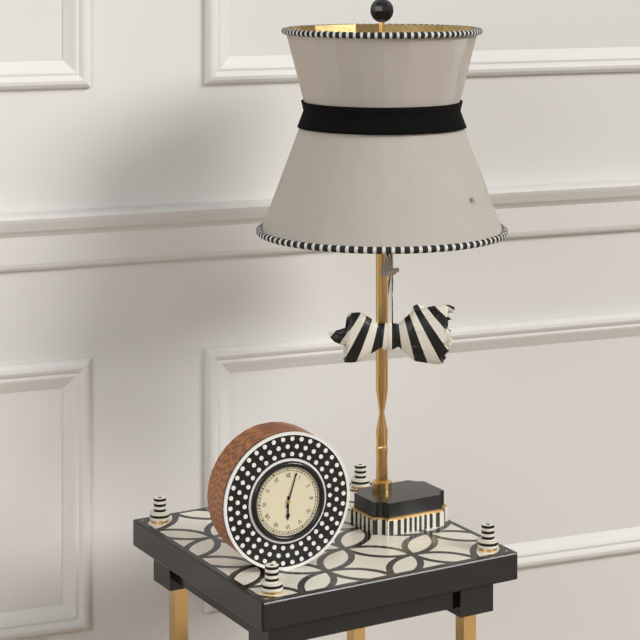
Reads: 6 h 03 min
